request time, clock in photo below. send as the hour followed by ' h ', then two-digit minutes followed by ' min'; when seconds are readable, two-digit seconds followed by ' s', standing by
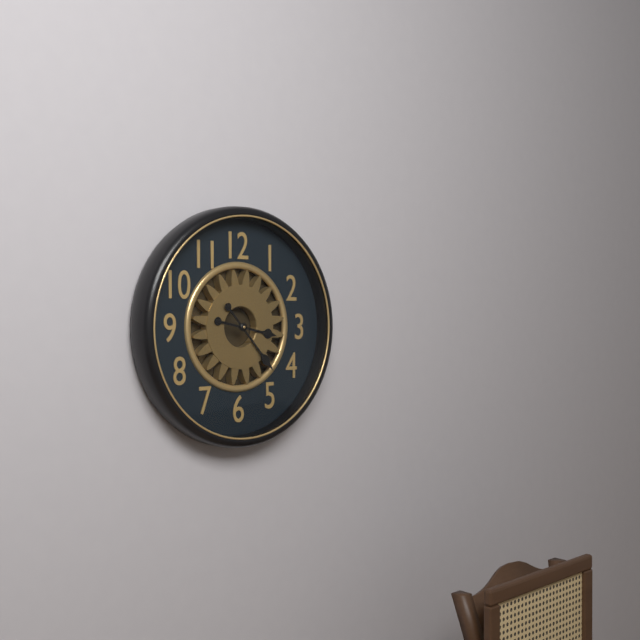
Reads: 3 h 23 min
